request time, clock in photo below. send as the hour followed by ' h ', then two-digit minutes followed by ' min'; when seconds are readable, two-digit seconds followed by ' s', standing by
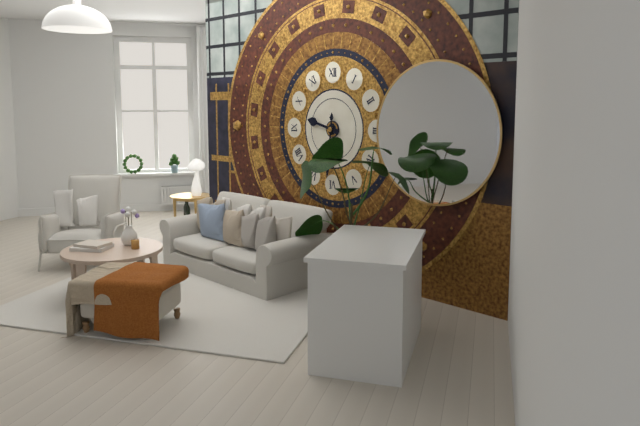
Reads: 9 h 31 min
